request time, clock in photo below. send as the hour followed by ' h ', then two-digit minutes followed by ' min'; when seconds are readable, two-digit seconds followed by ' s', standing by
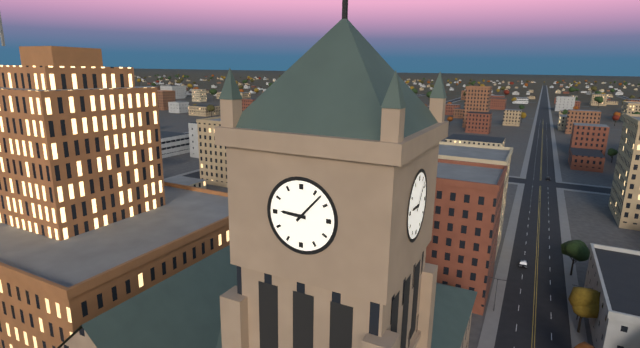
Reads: 9 h 07 min
